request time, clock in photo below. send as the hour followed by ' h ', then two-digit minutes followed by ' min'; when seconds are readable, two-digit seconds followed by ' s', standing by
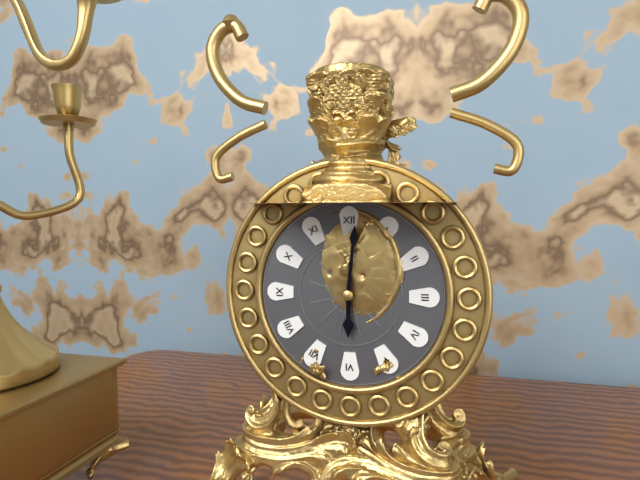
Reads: 6 h 01 min
